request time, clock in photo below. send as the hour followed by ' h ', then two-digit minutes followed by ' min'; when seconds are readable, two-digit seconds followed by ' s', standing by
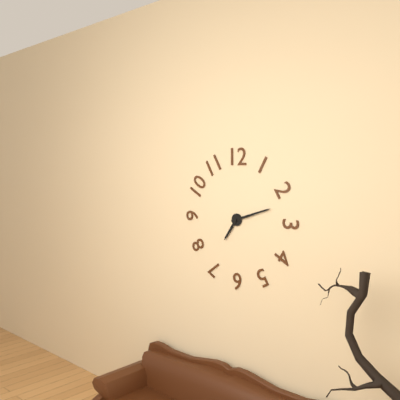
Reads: 7 h 12 min
